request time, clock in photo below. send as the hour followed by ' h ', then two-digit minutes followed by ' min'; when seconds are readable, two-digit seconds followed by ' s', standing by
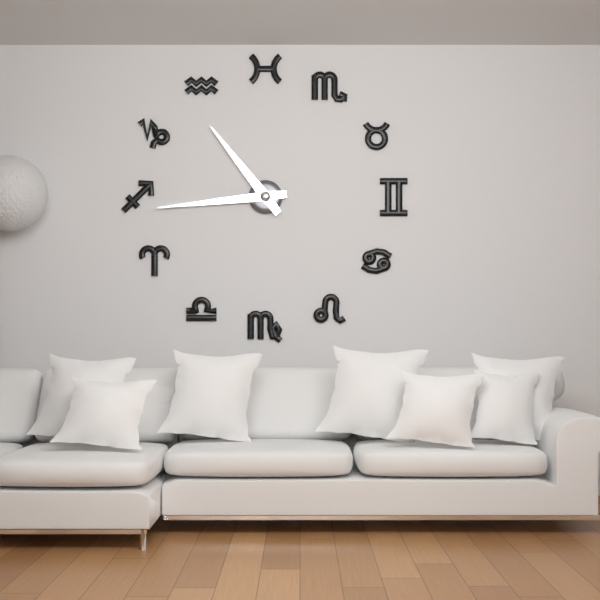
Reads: 10 h 44 min
